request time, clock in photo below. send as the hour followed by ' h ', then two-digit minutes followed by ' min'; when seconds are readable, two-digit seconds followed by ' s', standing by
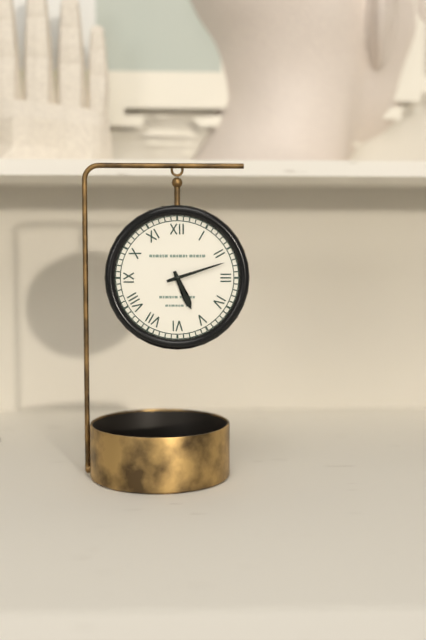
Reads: 5 h 12 min
